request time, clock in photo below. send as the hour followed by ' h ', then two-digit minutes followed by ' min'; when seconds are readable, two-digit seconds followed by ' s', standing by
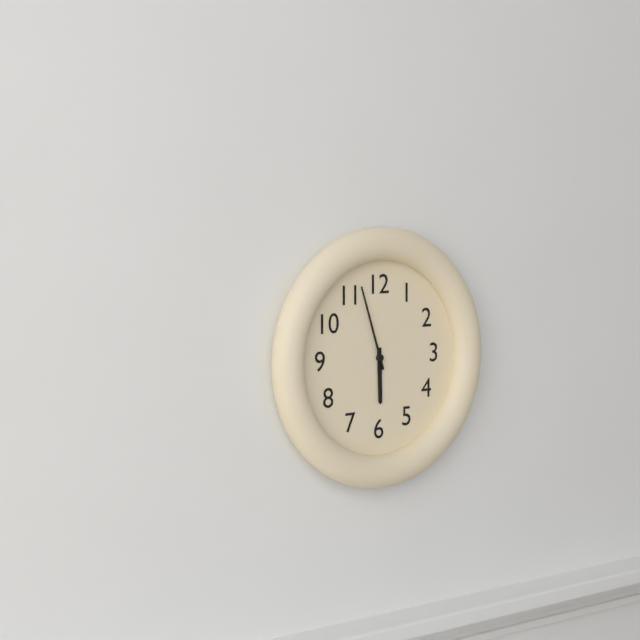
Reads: 5 h 57 min
